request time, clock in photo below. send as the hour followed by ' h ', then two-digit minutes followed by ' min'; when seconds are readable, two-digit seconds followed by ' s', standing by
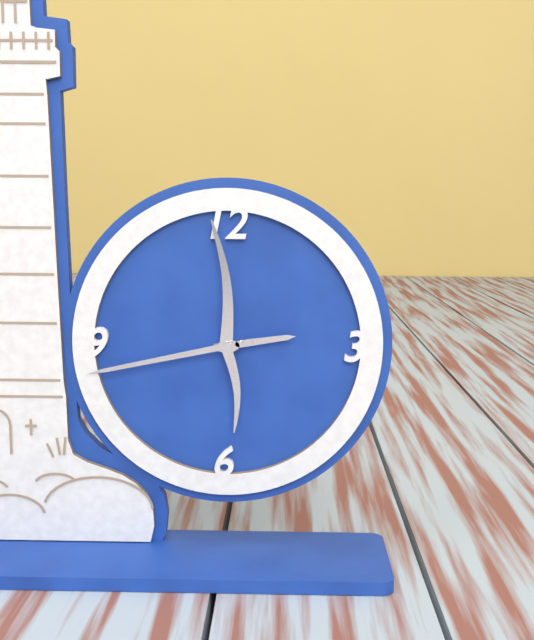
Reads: 2 h 43 min 59 s
